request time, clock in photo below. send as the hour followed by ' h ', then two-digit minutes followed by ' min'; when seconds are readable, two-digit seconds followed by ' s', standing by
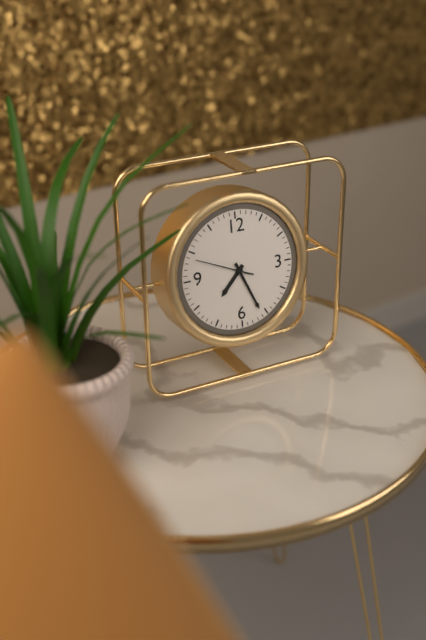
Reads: 7 h 26 min 49 s
